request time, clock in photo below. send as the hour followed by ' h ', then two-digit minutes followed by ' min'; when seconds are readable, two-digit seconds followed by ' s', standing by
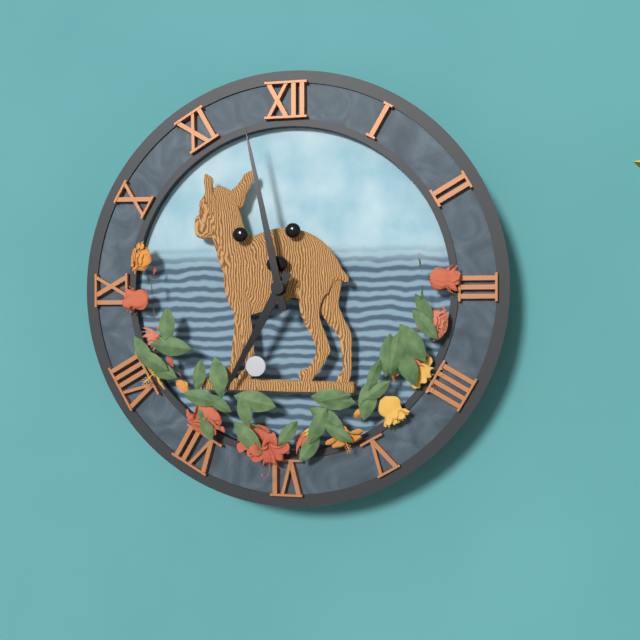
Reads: 6 h 58 min
